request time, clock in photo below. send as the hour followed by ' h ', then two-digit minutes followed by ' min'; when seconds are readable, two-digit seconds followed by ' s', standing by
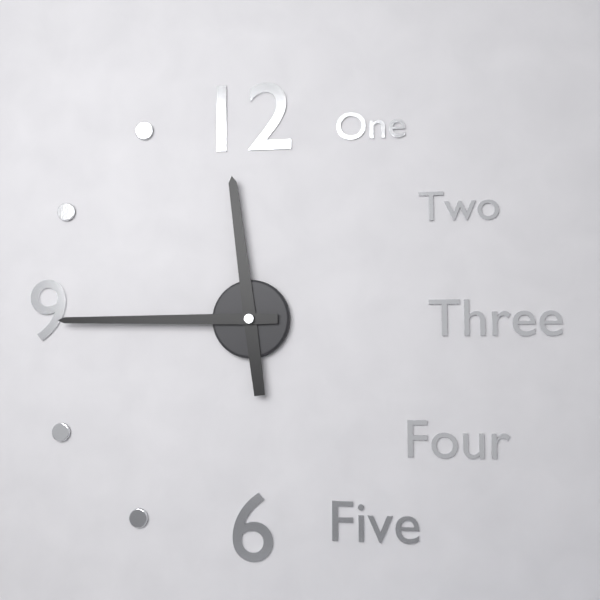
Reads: 11 h 45 min
